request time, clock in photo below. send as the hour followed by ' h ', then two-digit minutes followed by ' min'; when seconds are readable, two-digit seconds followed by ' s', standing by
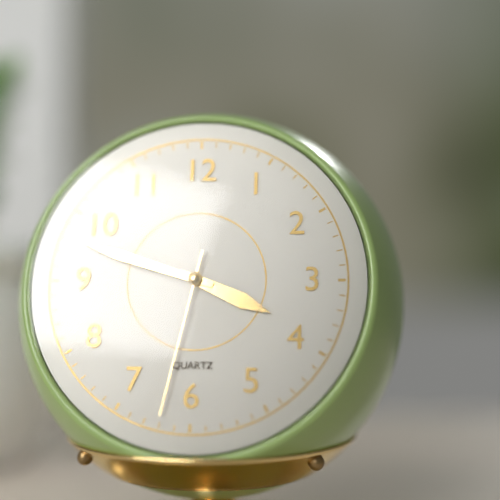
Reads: 3 h 48 min 32 s
